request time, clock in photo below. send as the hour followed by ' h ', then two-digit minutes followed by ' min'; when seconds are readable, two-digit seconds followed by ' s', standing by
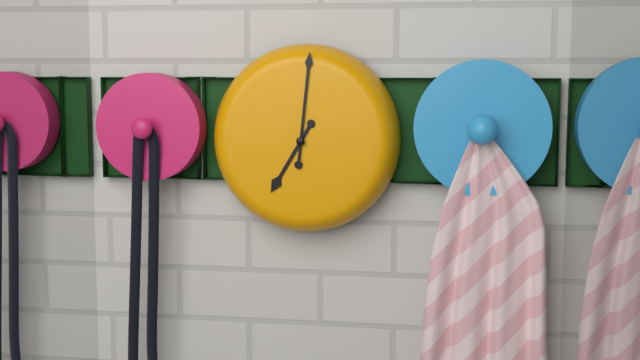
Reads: 7 h 01 min
